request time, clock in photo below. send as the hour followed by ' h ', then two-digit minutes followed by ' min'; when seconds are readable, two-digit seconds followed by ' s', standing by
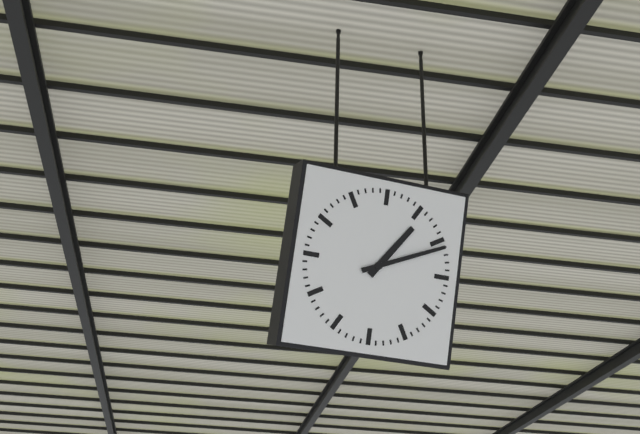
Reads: 1 h 11 min
